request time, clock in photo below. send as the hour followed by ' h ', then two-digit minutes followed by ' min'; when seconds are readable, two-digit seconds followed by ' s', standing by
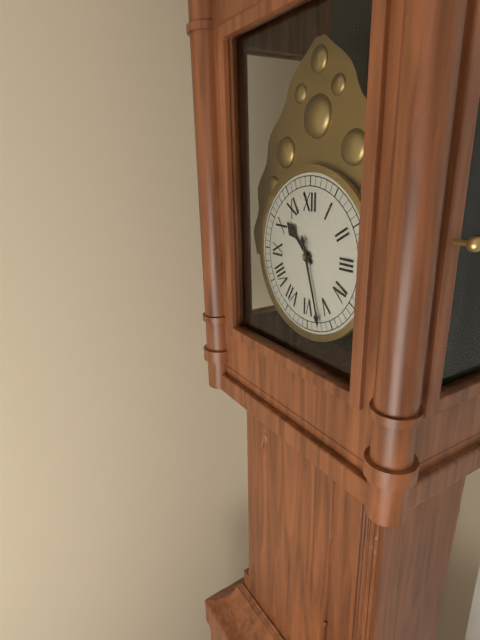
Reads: 10 h 27 min
